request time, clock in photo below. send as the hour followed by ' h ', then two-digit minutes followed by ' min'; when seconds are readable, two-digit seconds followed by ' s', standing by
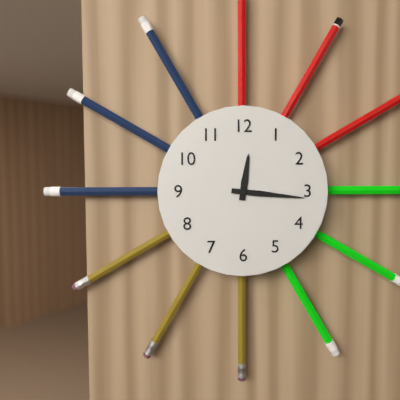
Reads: 12 h 16 min
